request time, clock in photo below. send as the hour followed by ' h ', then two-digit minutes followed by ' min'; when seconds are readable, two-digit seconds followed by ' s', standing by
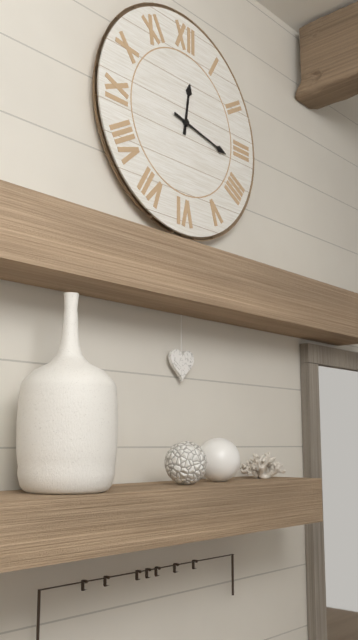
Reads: 12 h 17 min
